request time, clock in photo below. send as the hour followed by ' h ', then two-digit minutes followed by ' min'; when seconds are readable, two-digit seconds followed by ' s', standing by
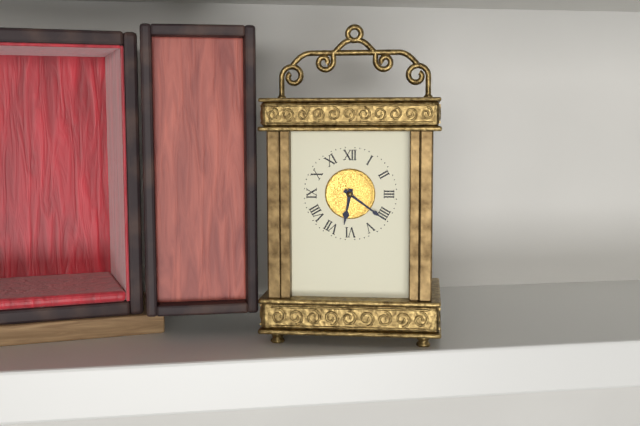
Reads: 6 h 21 min
